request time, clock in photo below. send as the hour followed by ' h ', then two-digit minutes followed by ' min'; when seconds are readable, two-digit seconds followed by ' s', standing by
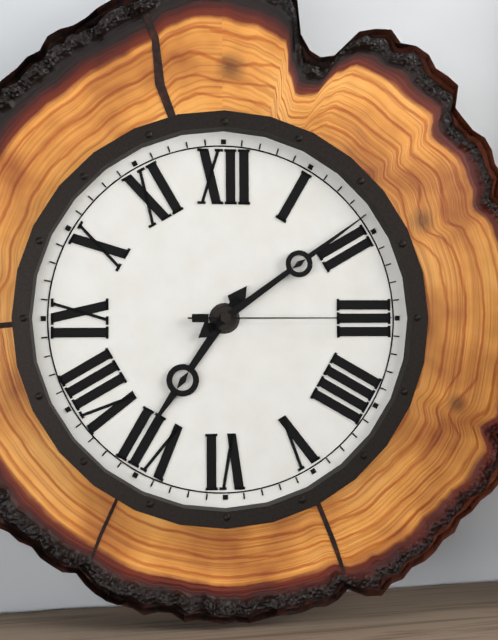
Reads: 7 h 09 min 15 s
